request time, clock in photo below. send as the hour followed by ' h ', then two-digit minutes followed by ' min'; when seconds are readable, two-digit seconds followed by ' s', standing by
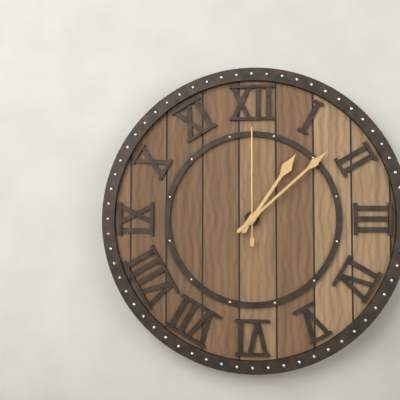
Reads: 1 h 08 min 00 s
